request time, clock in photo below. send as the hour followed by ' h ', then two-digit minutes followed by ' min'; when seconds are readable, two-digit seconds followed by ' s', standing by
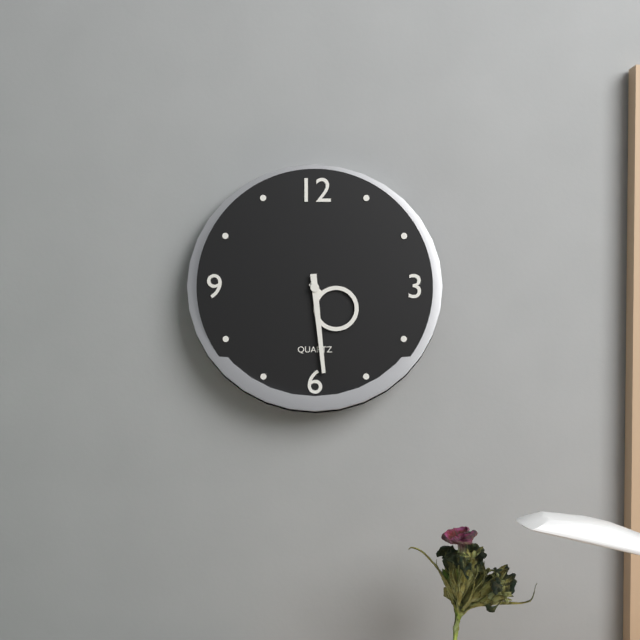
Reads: 4 h 29 min
